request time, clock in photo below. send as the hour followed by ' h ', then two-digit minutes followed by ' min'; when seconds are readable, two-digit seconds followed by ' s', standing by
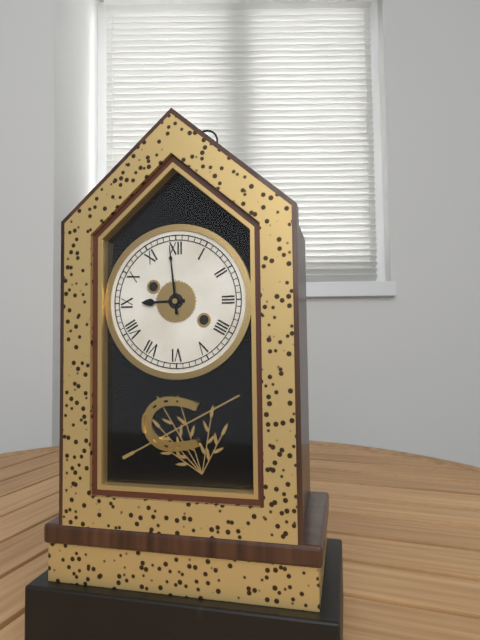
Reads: 8 h 59 min
